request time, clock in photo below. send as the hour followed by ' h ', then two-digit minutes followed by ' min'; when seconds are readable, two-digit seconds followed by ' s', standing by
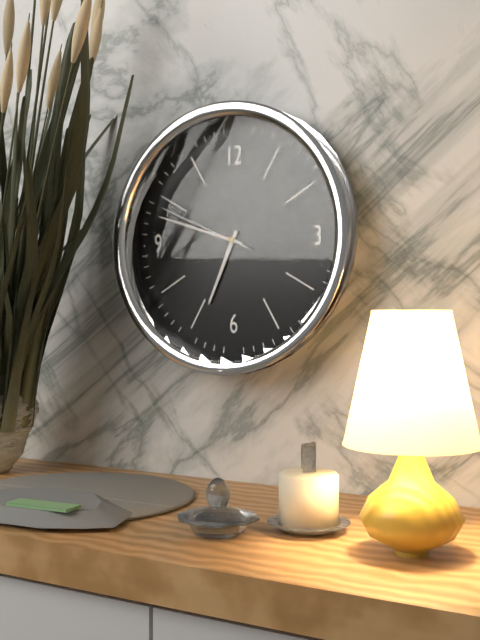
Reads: 6 h 48 min 49 s
